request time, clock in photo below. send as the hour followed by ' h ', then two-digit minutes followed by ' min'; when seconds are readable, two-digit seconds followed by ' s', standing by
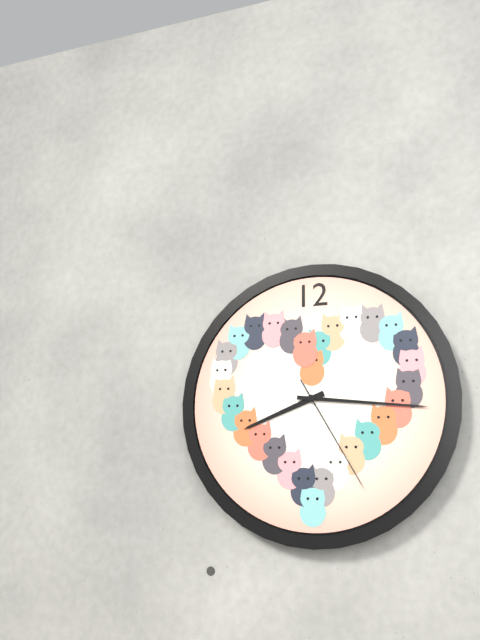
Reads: 8 h 16 min 25 s
